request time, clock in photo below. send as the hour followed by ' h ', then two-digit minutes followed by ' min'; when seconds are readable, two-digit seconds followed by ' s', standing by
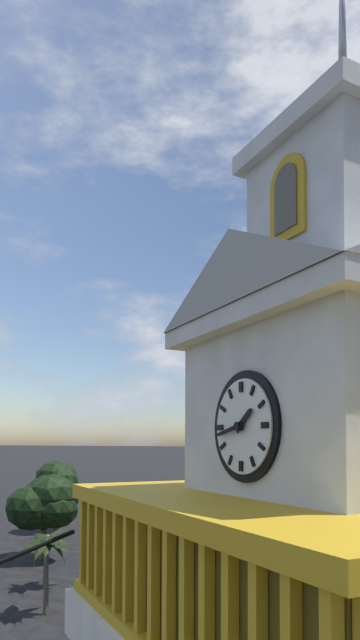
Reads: 1 h 43 min
